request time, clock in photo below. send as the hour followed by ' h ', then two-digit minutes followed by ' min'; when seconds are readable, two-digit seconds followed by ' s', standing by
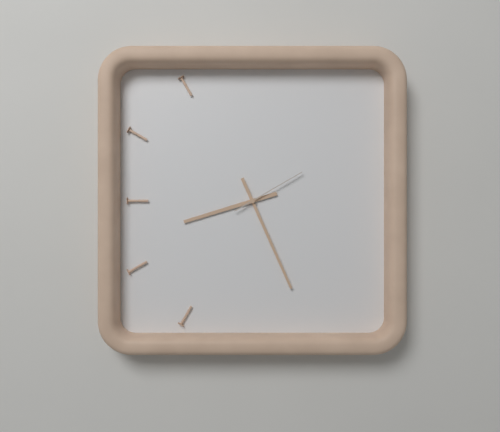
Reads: 8 h 26 min 10 s
